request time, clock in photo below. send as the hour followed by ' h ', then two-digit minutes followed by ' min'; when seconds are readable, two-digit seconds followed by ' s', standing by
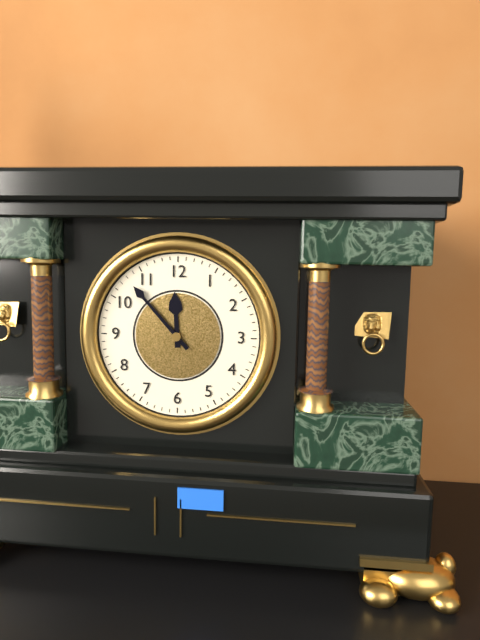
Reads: 11 h 53 min
